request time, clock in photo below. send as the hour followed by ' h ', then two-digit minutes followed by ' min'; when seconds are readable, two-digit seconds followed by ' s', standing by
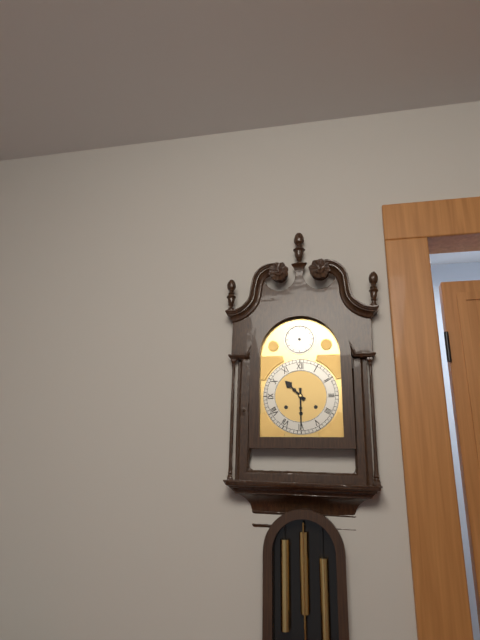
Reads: 10 h 30 min
